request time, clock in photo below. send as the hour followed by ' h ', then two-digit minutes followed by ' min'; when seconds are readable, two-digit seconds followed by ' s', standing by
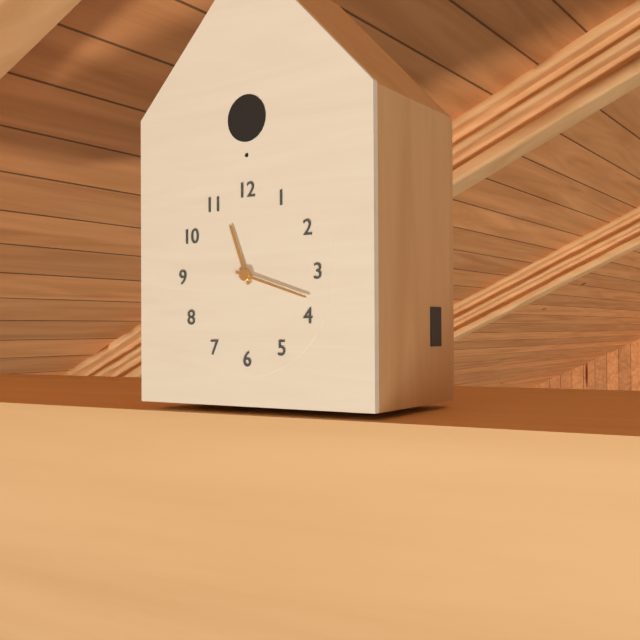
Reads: 11 h 18 min
